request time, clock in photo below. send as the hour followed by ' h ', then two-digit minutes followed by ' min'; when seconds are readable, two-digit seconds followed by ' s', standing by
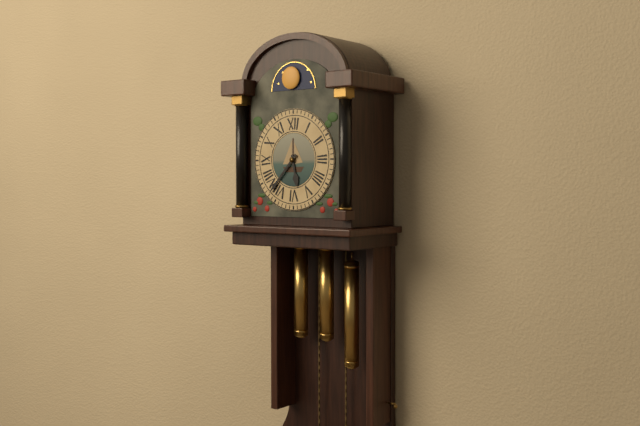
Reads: 5 h 37 min
